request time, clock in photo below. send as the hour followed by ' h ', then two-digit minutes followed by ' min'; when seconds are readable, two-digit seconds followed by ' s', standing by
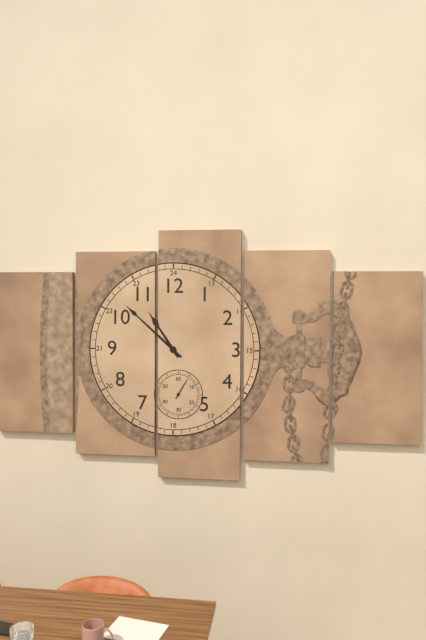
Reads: 10 h 52 min
